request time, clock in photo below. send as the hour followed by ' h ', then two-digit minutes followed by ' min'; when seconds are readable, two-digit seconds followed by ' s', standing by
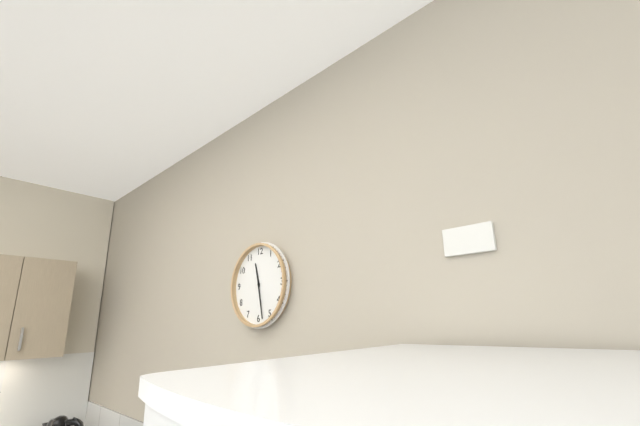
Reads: 11 h 28 min
